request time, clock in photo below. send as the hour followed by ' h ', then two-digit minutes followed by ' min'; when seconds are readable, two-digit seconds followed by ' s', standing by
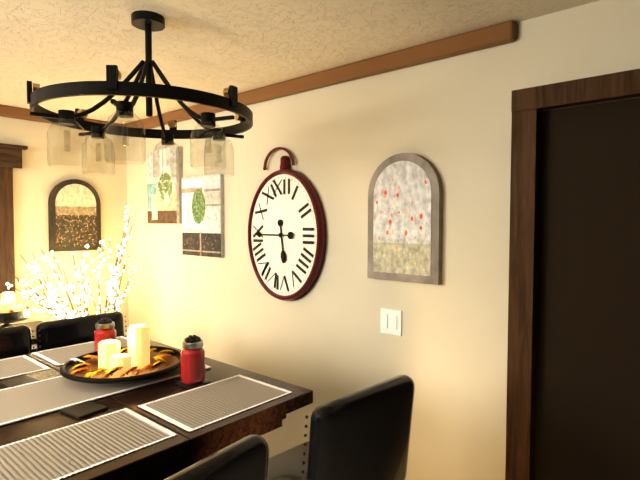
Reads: 5 h 45 min
